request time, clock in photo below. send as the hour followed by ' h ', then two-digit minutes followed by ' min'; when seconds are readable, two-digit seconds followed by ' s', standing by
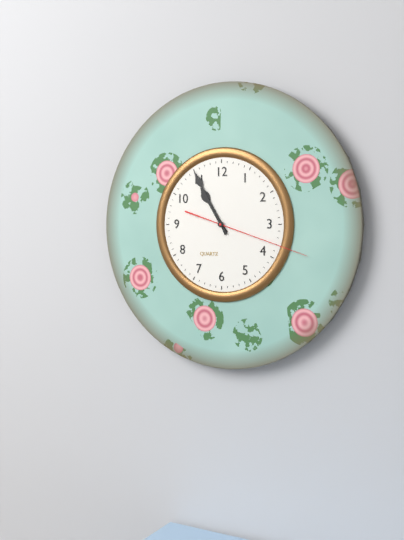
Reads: 10 h 55 min 18 s
